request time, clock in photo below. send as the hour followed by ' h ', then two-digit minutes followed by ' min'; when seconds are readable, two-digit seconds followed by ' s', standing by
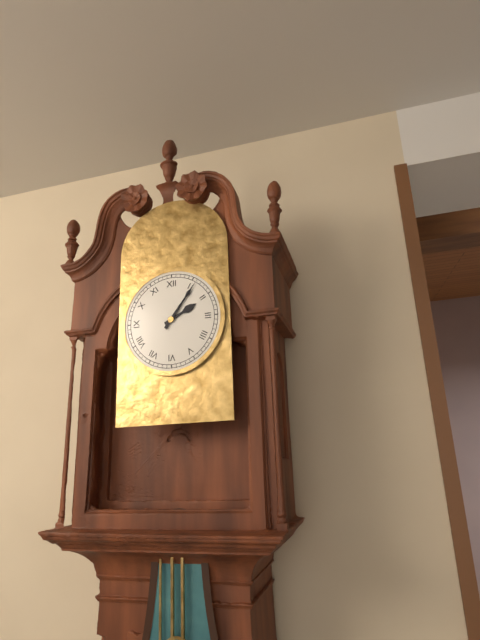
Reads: 2 h 06 min
